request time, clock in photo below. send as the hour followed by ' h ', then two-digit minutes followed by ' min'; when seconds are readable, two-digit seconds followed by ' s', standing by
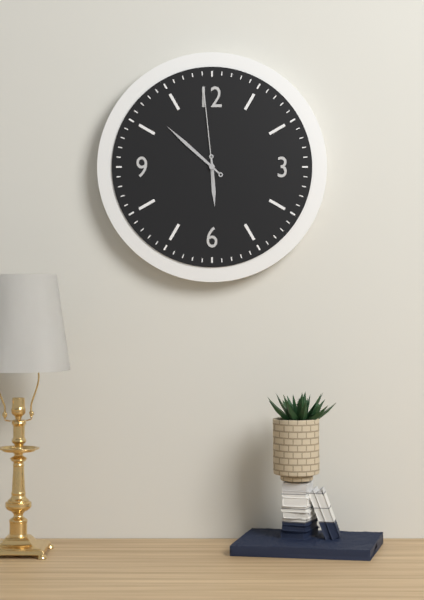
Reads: 5 h 52 min 59 s
